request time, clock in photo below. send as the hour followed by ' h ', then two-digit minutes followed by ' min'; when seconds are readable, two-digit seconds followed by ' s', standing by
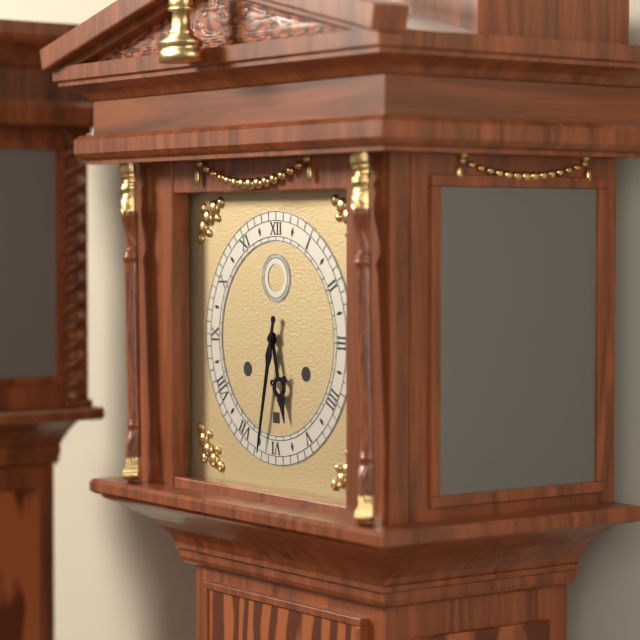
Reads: 5 h 32 min
